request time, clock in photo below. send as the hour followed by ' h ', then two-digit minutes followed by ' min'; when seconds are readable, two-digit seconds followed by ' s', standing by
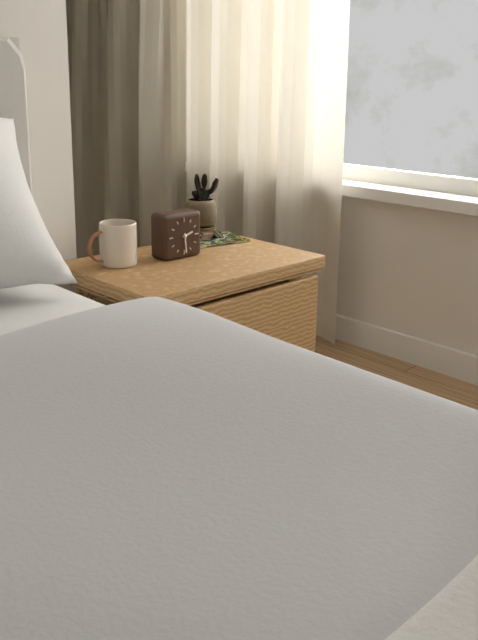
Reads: 2 h 29 min
